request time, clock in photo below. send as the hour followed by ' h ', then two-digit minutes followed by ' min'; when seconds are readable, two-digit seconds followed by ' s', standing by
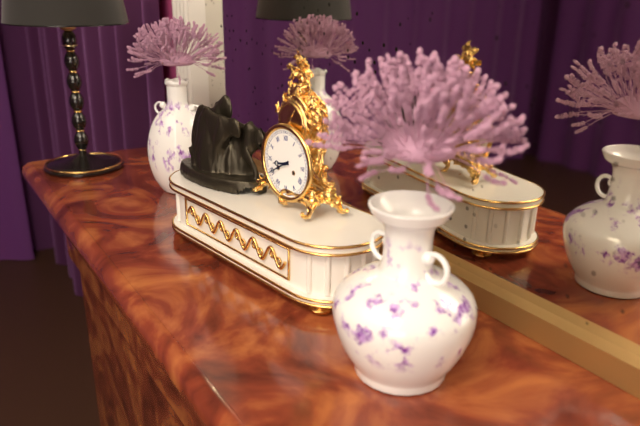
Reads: 8 h 40 min
